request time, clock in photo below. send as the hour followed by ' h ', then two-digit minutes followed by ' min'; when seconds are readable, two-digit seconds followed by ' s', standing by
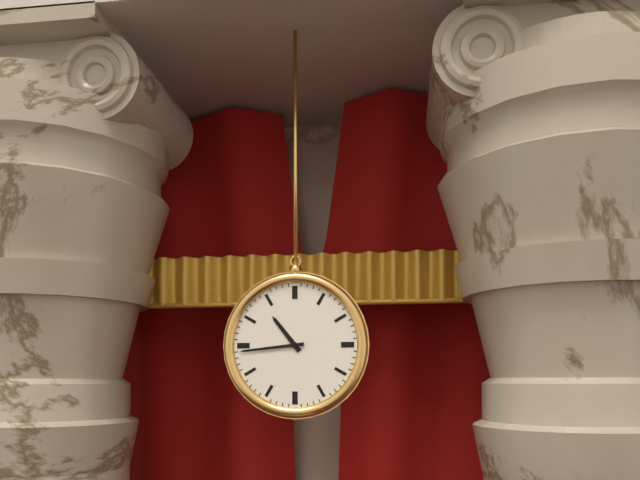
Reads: 10 h 44 min
